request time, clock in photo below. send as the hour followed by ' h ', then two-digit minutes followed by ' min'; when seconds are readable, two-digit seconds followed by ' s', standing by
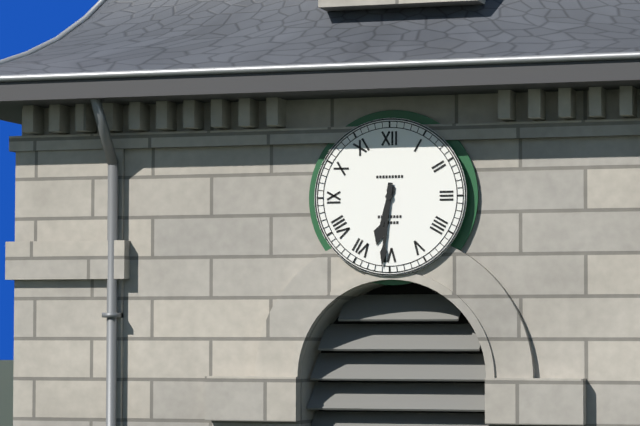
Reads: 6 h 31 min
